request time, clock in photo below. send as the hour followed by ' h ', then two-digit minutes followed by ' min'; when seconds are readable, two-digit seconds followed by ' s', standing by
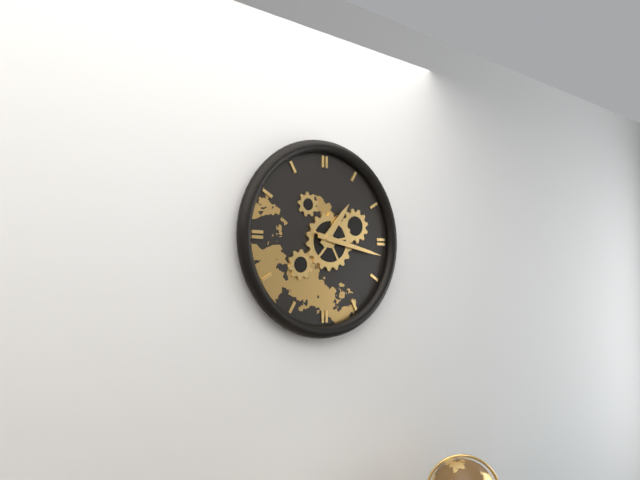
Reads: 1 h 17 min
